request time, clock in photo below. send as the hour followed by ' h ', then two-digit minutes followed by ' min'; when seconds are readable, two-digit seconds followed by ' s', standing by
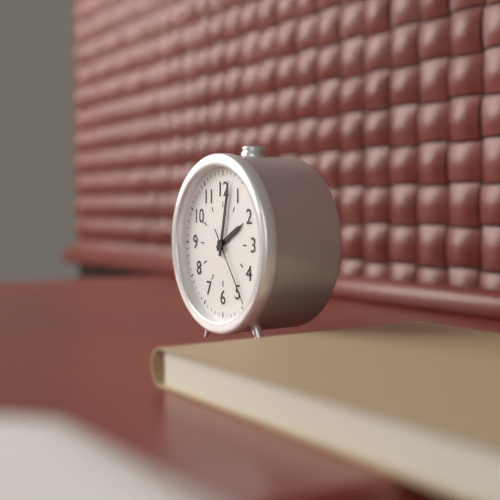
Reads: 2 h 02 min 24 s
